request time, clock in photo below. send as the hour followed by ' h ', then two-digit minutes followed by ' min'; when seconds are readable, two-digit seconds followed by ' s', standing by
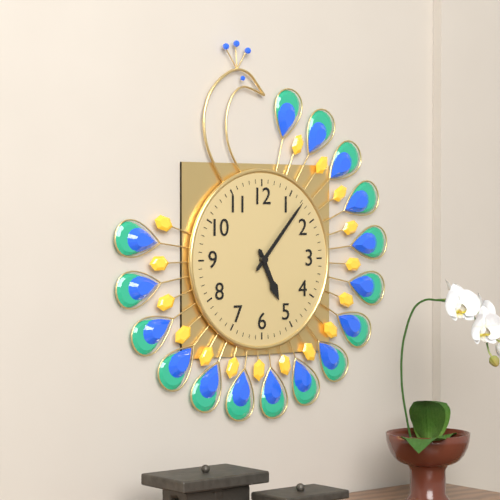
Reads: 5 h 07 min
